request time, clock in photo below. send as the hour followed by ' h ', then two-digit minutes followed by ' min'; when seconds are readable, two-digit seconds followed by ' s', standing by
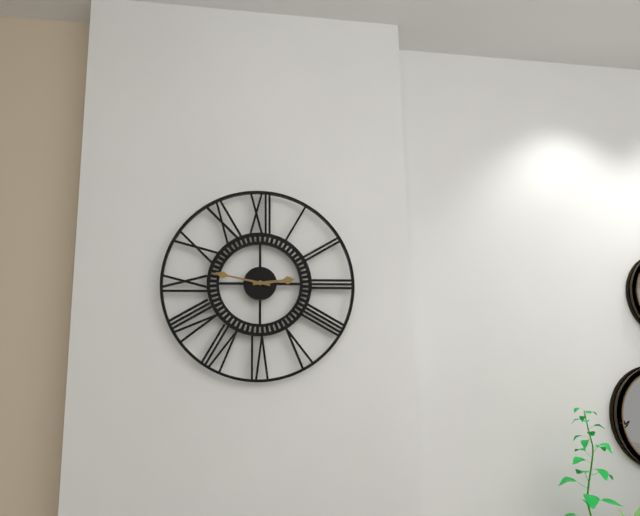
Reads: 2 h 47 min
